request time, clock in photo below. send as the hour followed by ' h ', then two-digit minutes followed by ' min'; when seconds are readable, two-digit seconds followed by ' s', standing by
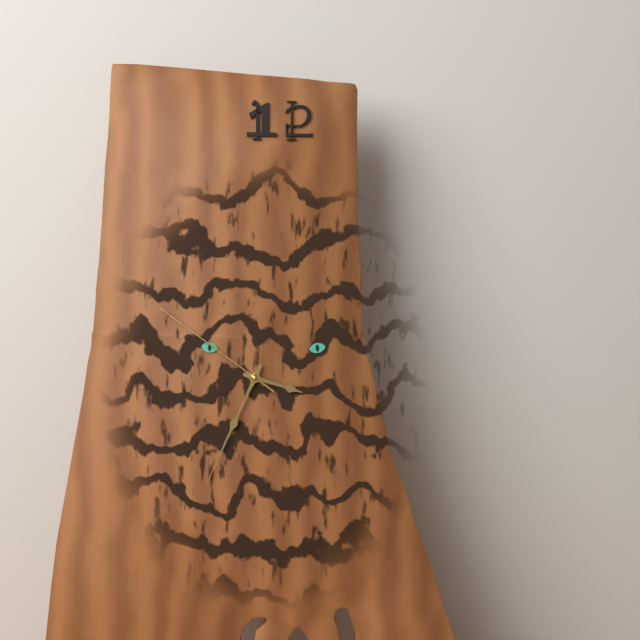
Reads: 3 h 34 min 51 s
